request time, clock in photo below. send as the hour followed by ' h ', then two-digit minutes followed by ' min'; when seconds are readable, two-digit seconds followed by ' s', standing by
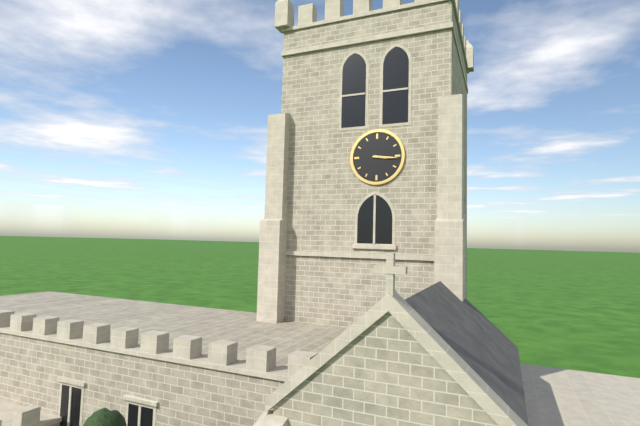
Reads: 3 h 16 min
